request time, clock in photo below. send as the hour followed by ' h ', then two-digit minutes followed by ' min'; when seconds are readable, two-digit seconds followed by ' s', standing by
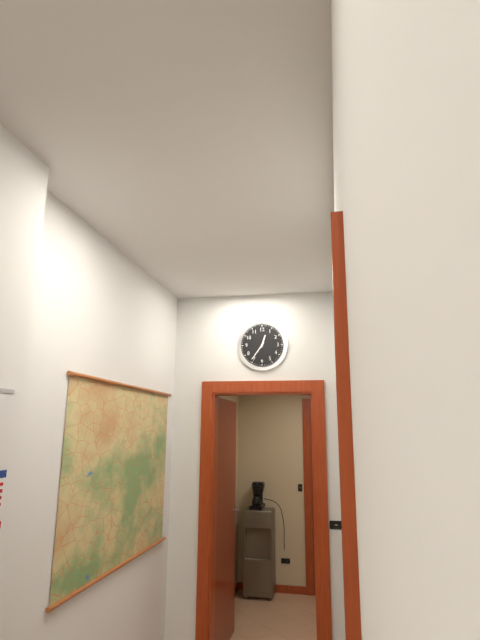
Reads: 12 h 36 min
